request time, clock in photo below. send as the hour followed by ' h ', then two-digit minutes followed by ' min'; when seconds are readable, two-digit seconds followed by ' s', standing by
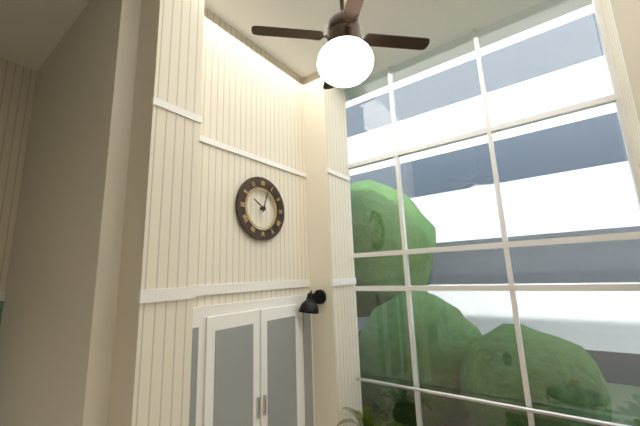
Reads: 10 h 03 min
